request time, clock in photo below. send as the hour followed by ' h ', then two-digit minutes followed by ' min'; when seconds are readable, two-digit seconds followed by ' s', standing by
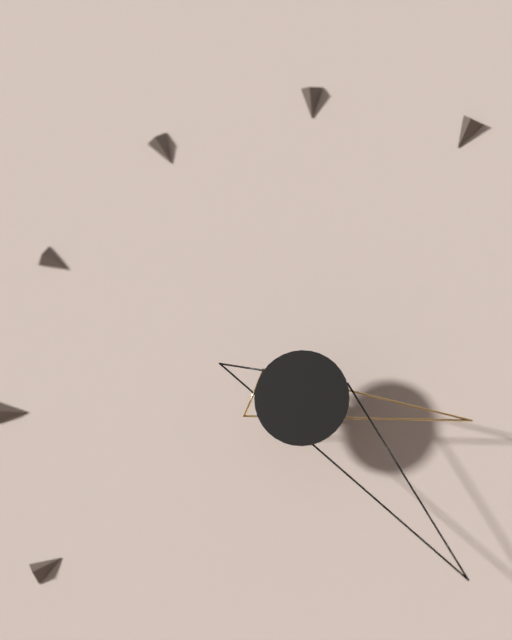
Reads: 3 h 23 min
